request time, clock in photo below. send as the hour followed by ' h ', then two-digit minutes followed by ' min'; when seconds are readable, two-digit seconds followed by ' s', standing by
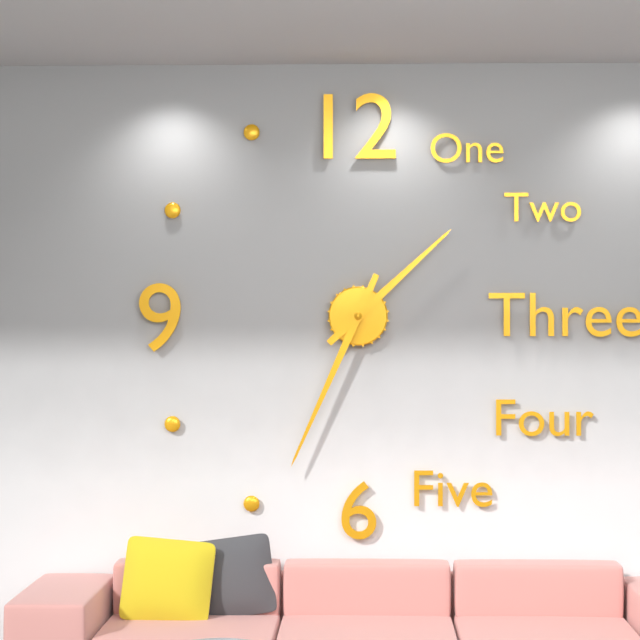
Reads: 1 h 34 min
